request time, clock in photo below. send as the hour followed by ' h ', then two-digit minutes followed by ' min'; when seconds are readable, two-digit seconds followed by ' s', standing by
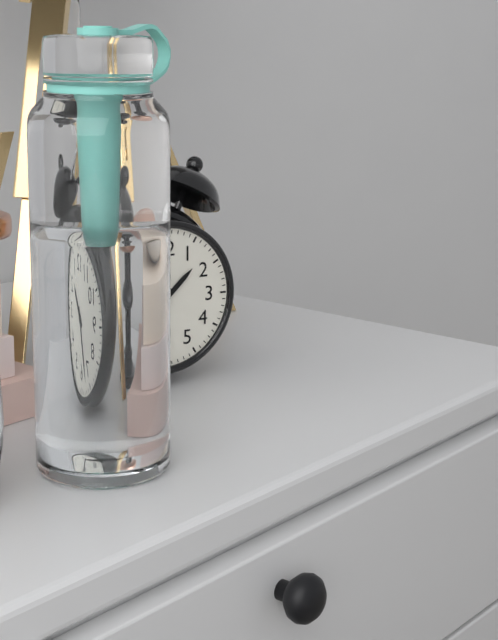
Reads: 1 h 33 min
